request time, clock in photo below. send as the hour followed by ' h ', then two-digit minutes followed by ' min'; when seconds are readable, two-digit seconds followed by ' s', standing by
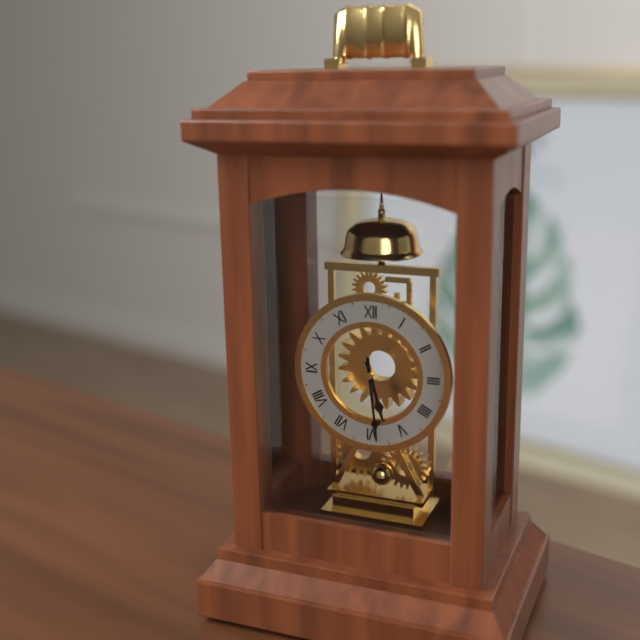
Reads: 5 h 29 min
